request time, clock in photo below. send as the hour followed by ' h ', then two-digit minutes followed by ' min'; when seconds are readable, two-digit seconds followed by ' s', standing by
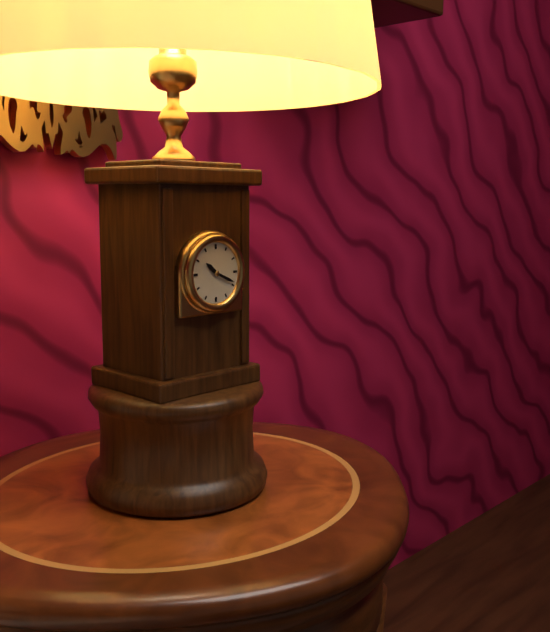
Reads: 10 h 19 min
